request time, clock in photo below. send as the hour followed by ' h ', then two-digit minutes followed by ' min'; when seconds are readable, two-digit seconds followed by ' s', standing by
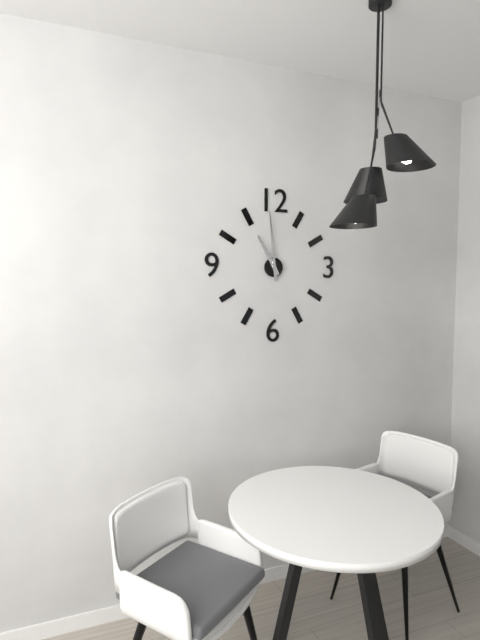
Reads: 10 h 59 min
